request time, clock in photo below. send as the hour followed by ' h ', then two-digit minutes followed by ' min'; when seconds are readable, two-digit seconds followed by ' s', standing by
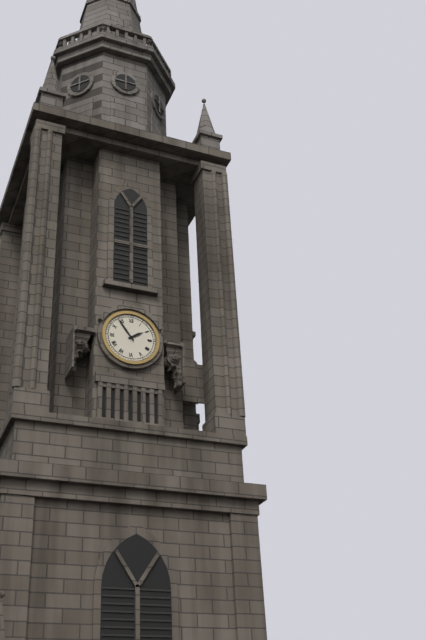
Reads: 1 h 54 min
